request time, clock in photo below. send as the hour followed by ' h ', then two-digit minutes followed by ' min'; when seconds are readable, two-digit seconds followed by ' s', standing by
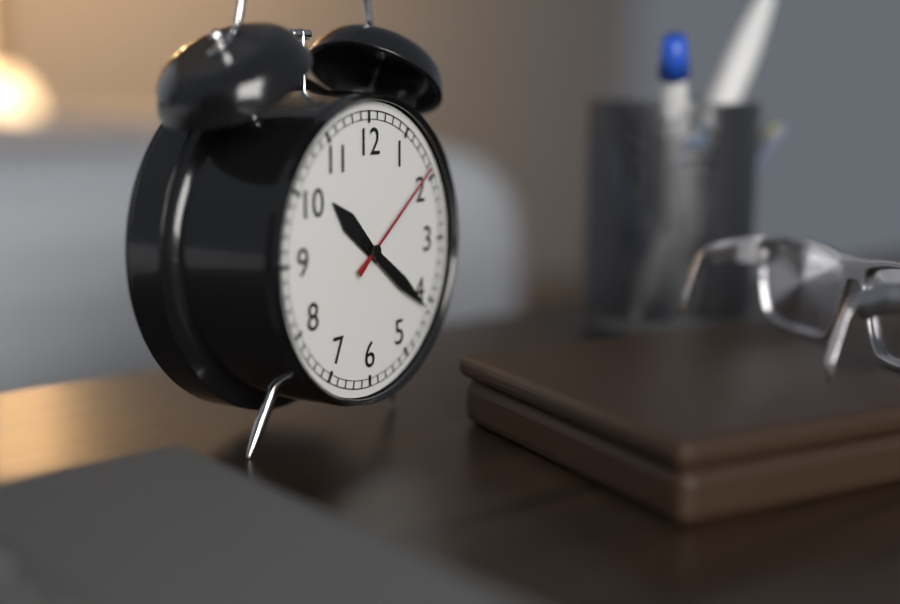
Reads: 10 h 21 min 09 s
